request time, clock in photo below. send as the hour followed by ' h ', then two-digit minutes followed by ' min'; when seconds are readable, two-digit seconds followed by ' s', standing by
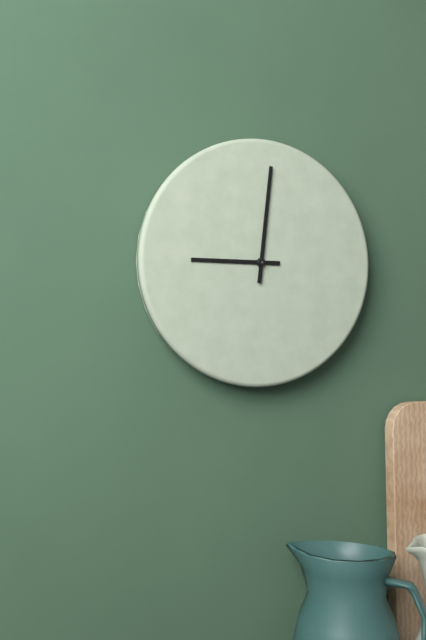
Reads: 9 h 01 min
